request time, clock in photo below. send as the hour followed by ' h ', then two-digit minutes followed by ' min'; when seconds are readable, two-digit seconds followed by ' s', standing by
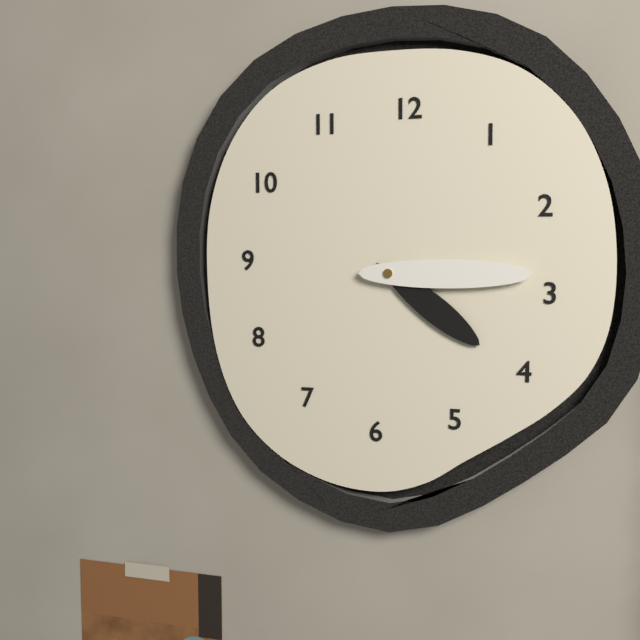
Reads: 4 h 15 min
